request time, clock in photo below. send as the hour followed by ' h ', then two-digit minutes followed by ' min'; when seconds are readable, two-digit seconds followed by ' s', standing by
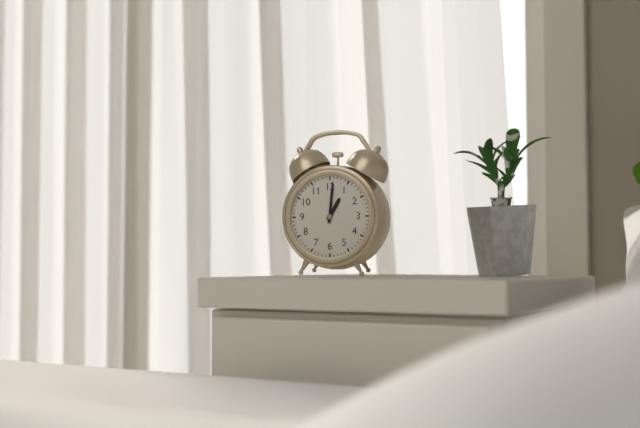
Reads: 1 h 01 min
